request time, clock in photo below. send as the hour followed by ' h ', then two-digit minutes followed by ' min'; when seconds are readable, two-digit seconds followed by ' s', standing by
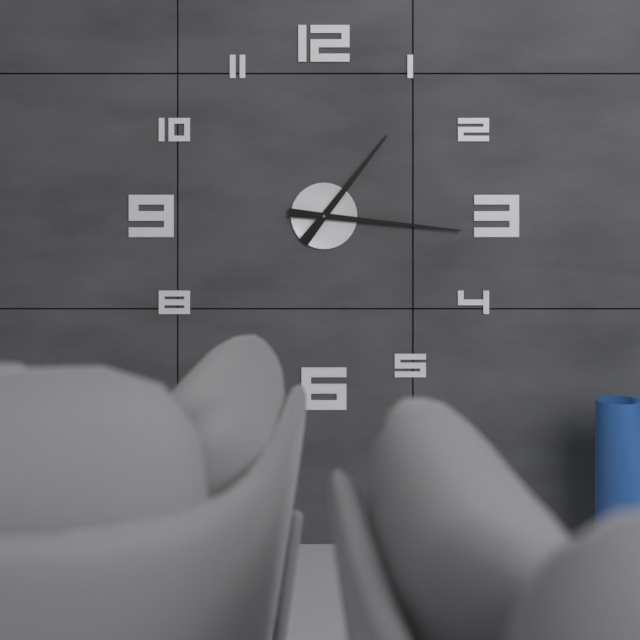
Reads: 1 h 16 min
